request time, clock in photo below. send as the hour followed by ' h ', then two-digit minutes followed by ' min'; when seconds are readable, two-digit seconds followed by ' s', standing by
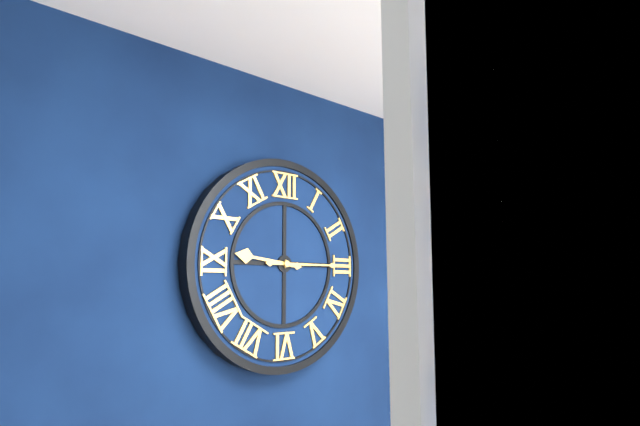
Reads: 9 h 15 min
